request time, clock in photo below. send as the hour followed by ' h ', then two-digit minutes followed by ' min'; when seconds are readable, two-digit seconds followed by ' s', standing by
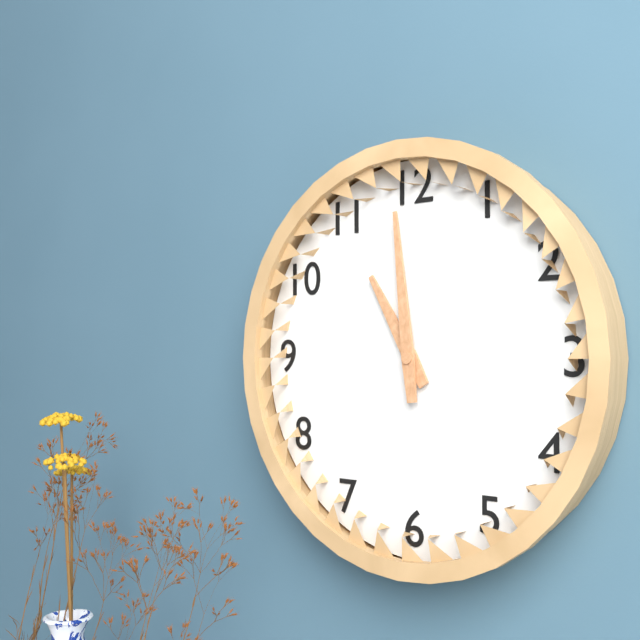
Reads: 10 h 59 min
